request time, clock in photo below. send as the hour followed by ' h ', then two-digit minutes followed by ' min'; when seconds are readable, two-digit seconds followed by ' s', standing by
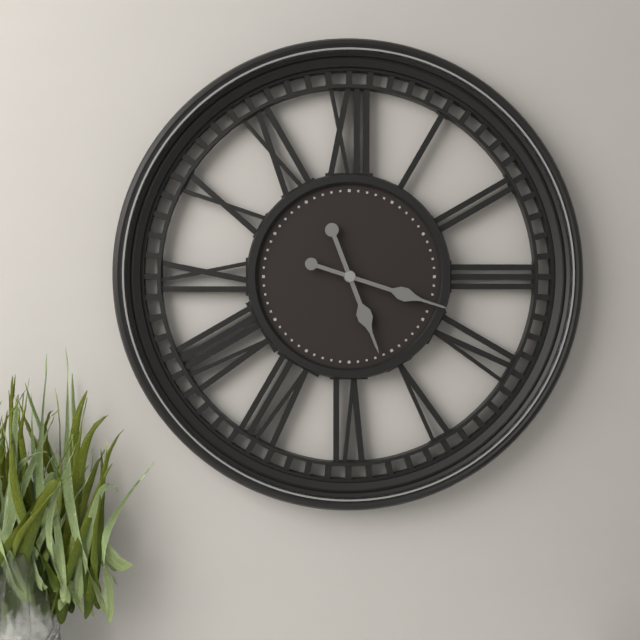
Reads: 5 h 18 min
